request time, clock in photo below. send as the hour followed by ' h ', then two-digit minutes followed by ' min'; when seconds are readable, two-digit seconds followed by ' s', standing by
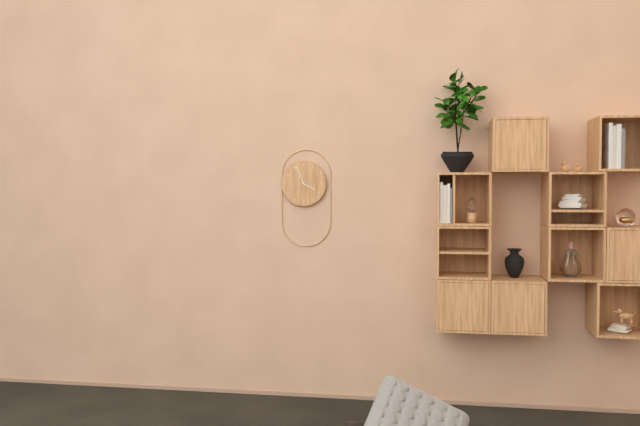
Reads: 3 h 56 min
